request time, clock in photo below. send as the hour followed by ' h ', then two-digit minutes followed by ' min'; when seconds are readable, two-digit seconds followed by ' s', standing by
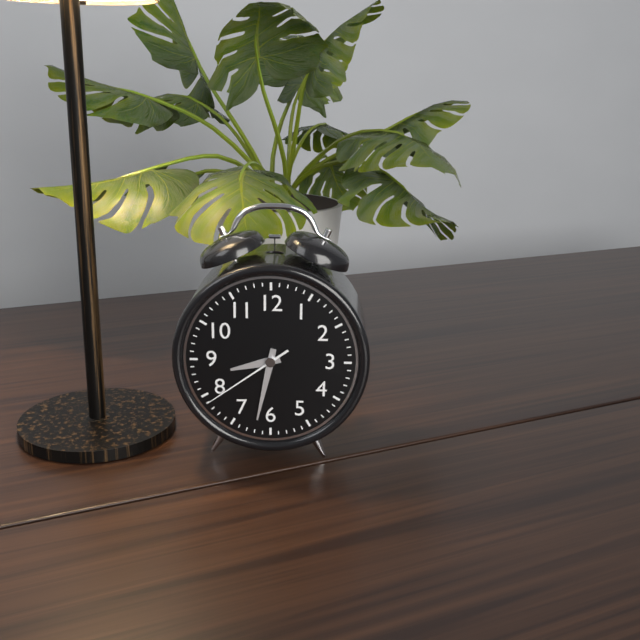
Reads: 8 h 32 min 39 s
